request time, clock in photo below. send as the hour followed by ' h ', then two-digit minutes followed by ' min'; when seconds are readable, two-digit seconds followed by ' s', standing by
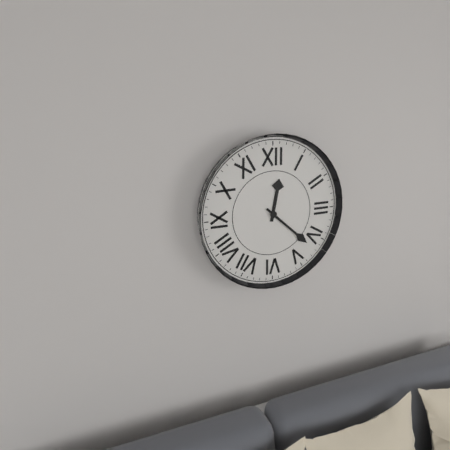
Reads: 12 h 22 min
